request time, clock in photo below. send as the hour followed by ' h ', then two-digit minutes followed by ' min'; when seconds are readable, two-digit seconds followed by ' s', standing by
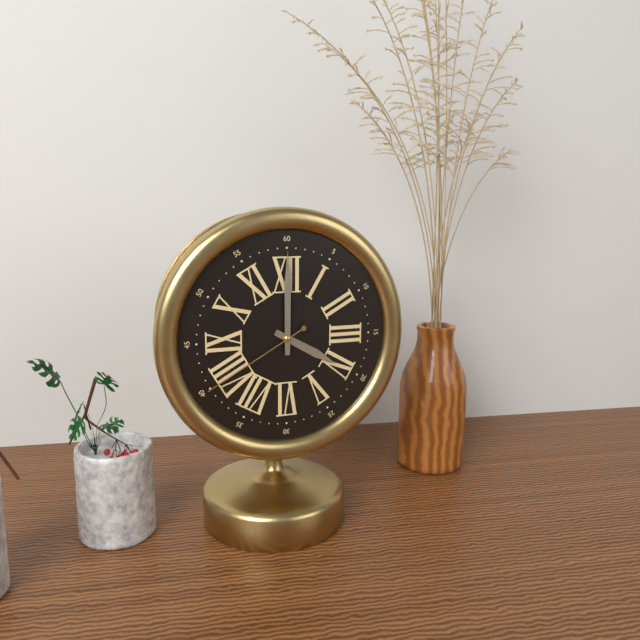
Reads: 4 h 00 min 40 s
